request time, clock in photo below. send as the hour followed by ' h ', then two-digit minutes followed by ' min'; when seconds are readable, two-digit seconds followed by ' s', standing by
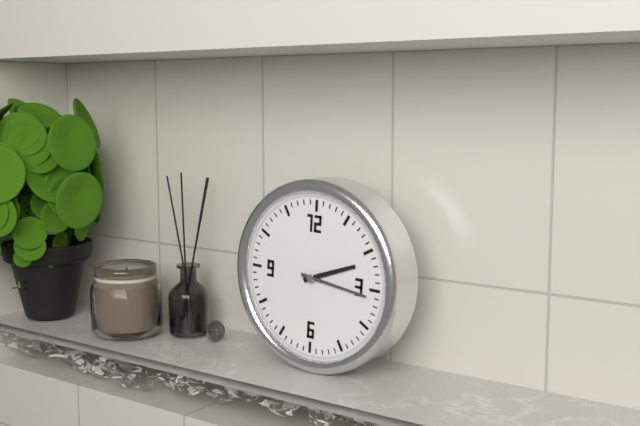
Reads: 2 h 16 min
